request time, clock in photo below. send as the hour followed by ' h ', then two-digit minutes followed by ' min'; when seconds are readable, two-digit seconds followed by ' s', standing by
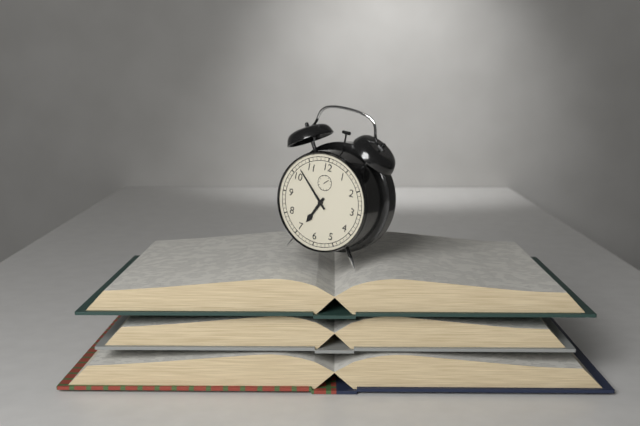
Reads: 6 h 52 min
